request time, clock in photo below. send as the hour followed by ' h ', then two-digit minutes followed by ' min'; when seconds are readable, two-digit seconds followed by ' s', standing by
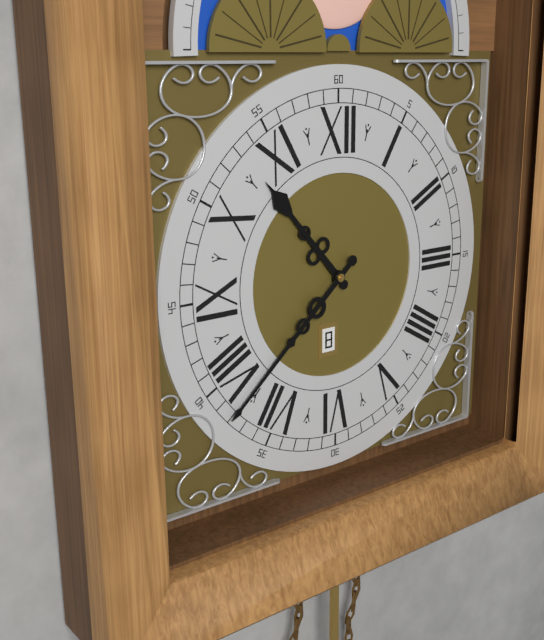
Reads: 10 h 38 min
